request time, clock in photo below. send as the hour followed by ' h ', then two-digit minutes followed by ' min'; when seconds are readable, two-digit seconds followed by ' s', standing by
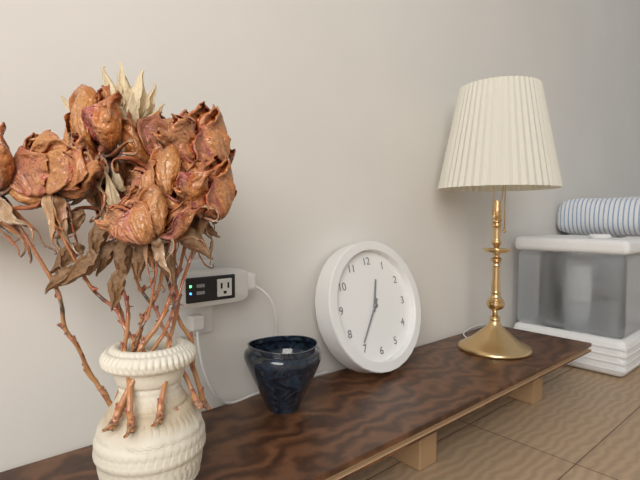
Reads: 12 h 36 min
